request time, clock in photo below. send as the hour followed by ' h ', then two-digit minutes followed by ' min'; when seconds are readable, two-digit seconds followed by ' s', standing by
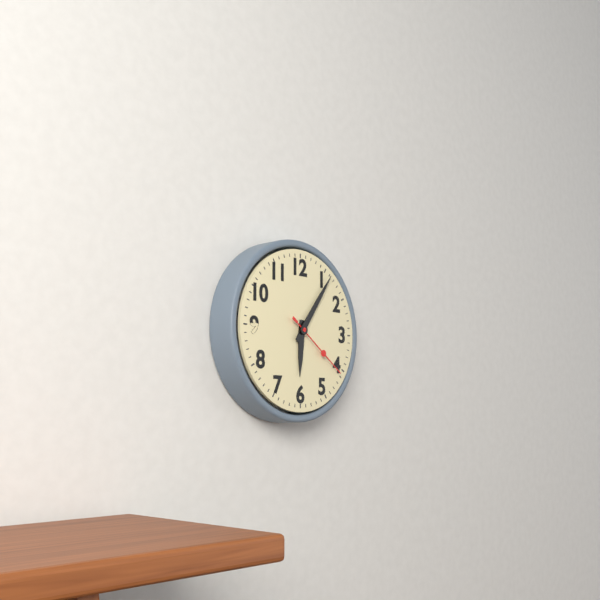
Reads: 6 h 06 min 21 s
